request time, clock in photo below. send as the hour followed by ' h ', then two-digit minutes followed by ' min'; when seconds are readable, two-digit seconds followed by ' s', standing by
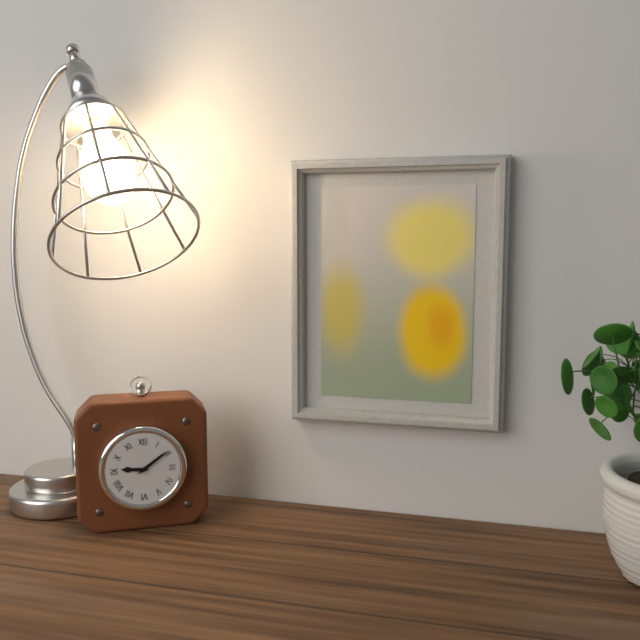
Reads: 9 h 09 min
